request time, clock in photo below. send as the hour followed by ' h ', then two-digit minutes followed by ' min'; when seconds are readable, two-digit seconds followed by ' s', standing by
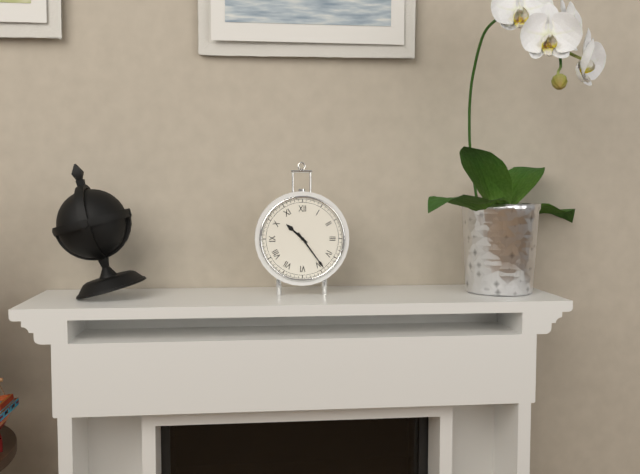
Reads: 10 h 24 min
